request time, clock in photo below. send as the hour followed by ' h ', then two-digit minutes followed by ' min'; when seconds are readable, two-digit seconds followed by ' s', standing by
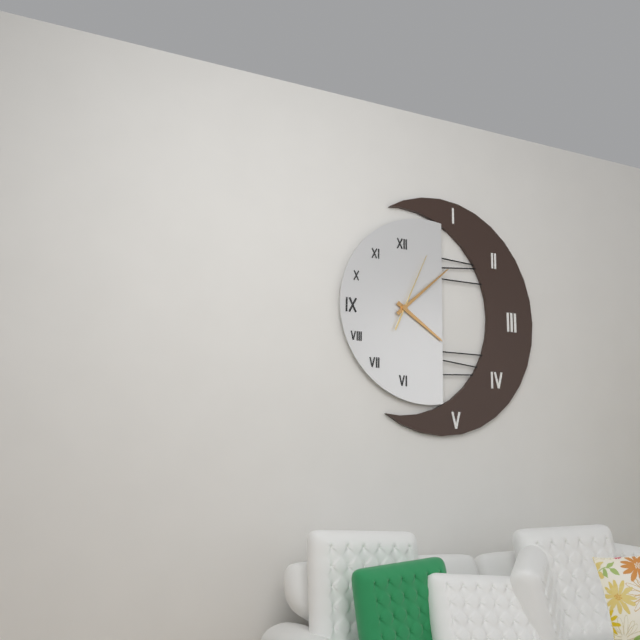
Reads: 4 h 08 min 04 s
